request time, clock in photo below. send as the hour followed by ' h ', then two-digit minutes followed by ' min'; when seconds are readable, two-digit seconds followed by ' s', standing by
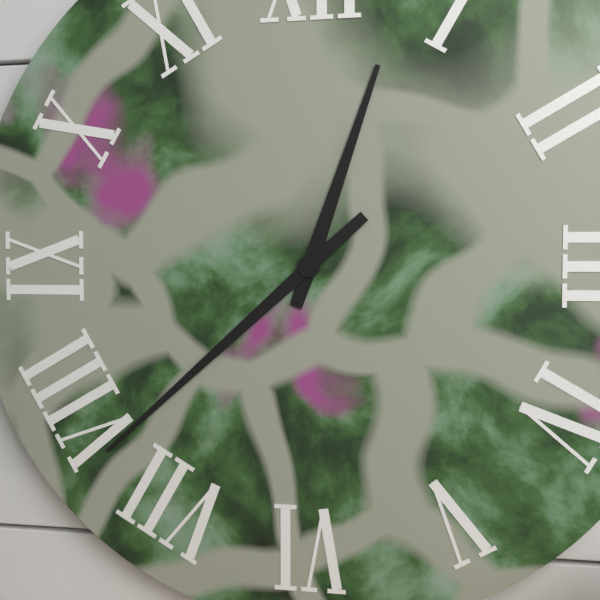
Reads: 12 h 38 min
